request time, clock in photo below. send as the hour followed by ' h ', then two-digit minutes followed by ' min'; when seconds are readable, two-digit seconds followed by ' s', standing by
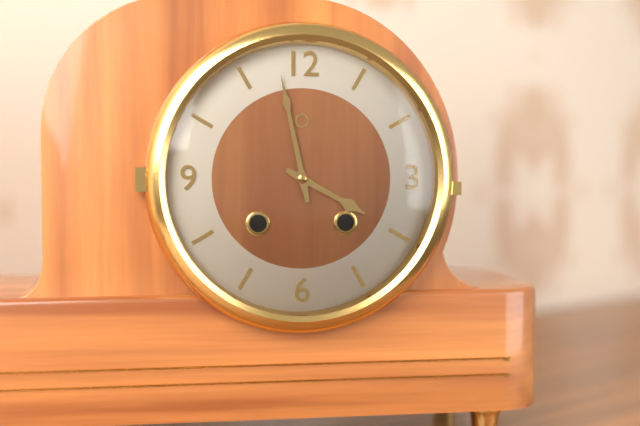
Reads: 3 h 58 min
